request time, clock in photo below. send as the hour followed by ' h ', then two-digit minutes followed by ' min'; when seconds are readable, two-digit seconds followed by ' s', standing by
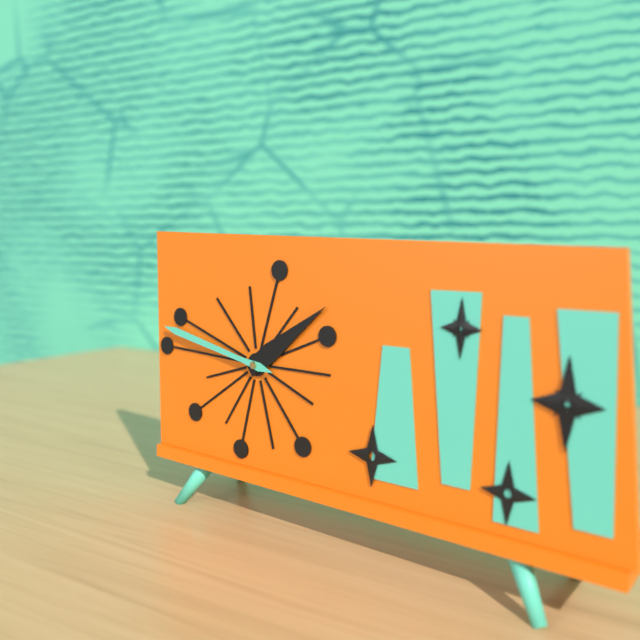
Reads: 1 h 47 min
